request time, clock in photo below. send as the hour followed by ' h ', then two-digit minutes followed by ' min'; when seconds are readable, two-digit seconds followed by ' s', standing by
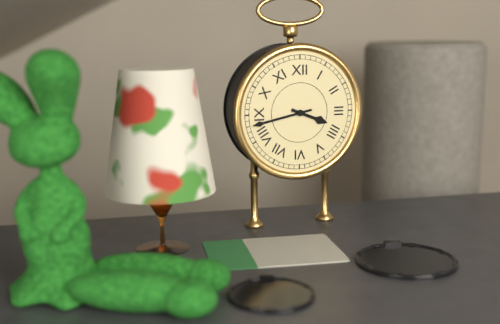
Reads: 3 h 43 min
